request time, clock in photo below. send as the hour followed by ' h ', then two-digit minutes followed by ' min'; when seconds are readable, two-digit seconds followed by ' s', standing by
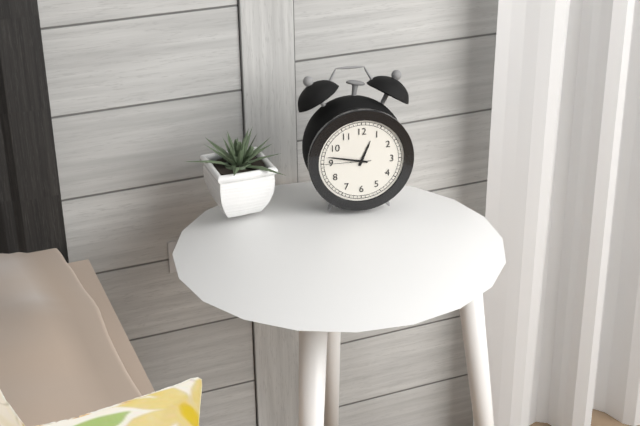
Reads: 12 h 47 min
